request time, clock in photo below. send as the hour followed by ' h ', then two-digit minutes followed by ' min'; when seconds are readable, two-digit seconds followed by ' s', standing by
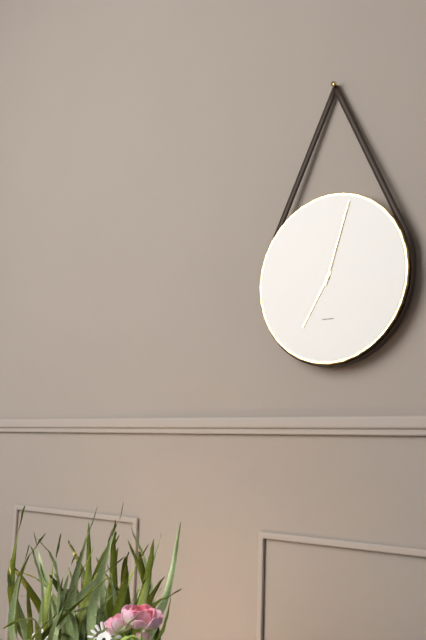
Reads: 7 h 03 min
